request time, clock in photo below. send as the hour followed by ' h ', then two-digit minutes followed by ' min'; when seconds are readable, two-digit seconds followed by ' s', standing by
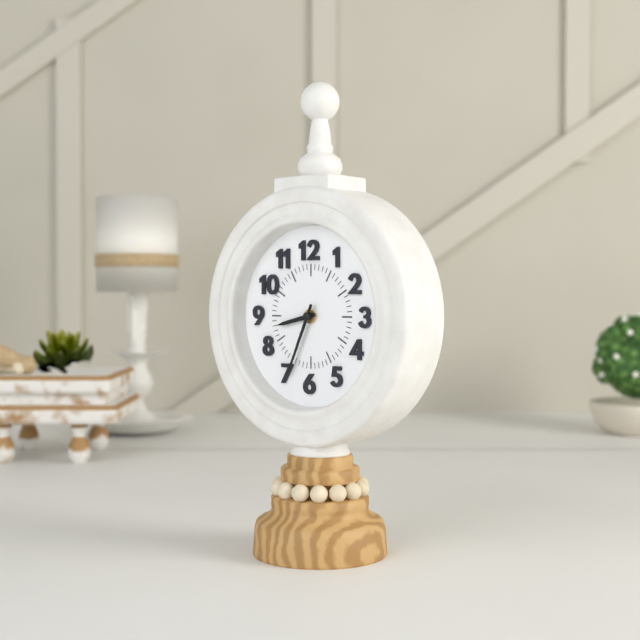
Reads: 8 h 34 min
